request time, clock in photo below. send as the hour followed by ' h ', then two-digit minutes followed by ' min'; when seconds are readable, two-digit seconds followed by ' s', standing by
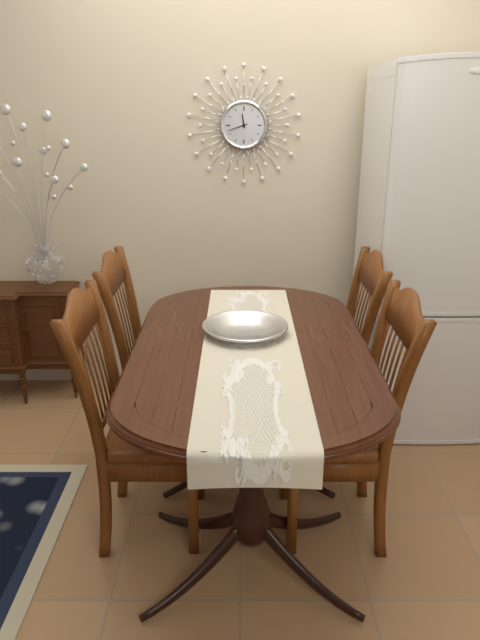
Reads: 11 h 42 min
